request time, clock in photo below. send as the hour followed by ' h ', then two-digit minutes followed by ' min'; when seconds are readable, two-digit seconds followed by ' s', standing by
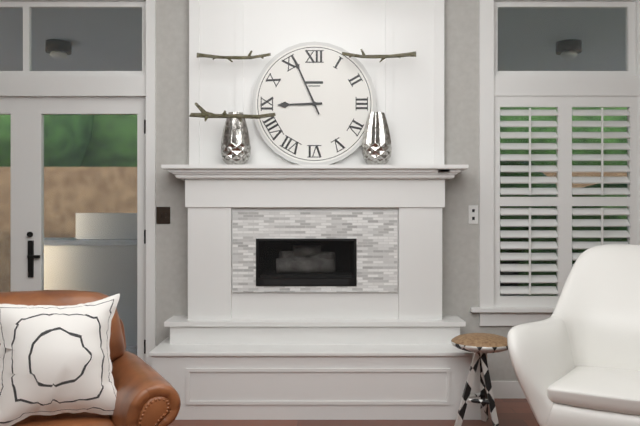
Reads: 8 h 56 min
